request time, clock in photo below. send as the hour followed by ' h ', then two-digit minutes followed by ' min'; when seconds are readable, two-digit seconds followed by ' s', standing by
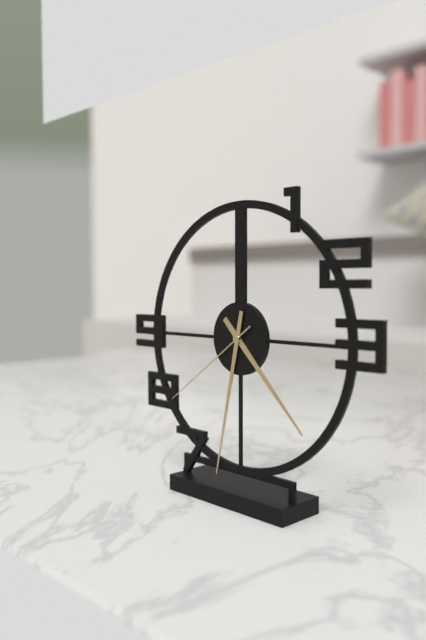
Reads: 4 h 32 min 39 s
